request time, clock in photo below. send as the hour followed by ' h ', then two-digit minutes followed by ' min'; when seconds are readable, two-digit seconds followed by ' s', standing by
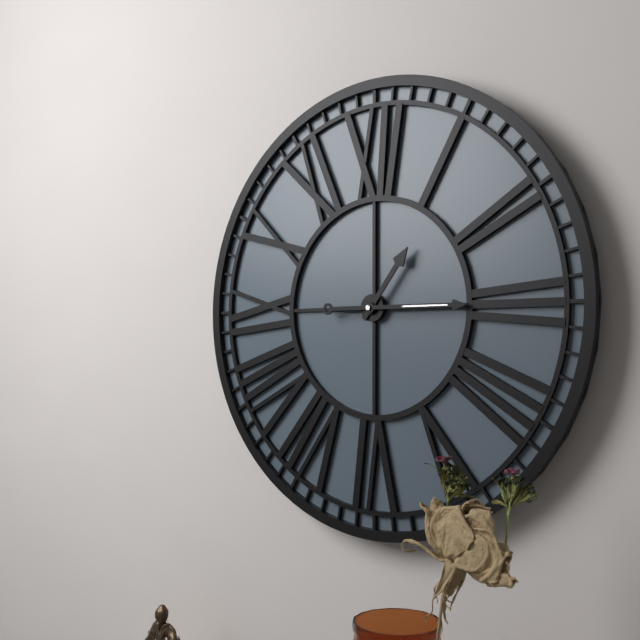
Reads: 1 h 15 min
